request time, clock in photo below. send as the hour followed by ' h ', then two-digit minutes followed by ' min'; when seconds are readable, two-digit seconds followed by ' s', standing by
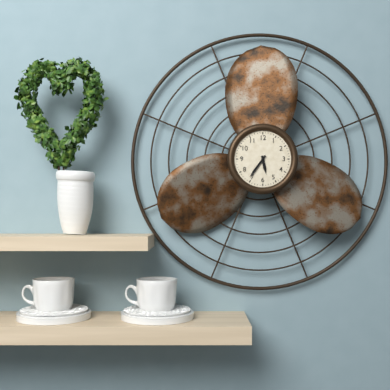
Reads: 5 h 36 min
